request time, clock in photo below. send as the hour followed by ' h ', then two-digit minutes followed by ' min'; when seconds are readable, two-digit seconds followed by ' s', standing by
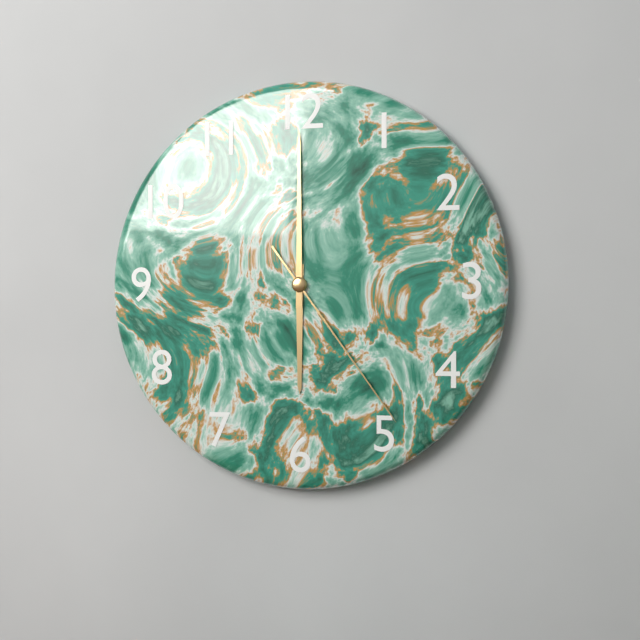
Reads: 6 h 00 min 24 s
